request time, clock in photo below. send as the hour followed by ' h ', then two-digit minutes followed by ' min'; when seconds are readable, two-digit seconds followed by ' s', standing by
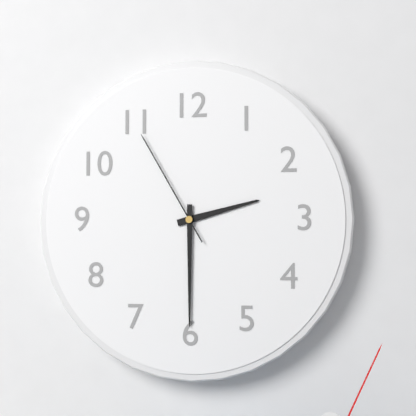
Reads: 2 h 30 min 55 s
